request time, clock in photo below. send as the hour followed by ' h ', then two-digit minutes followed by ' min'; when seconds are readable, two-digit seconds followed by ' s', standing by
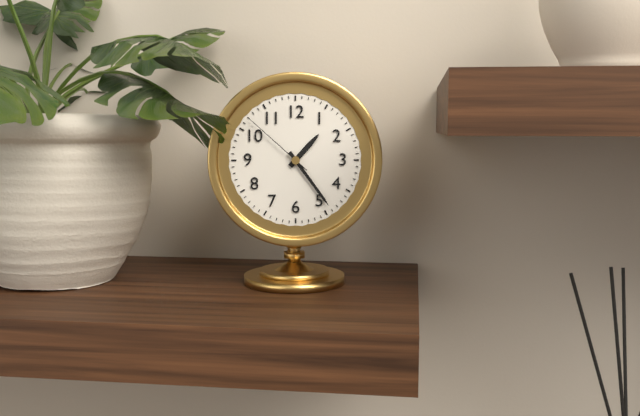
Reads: 1 h 24 min 52 s
